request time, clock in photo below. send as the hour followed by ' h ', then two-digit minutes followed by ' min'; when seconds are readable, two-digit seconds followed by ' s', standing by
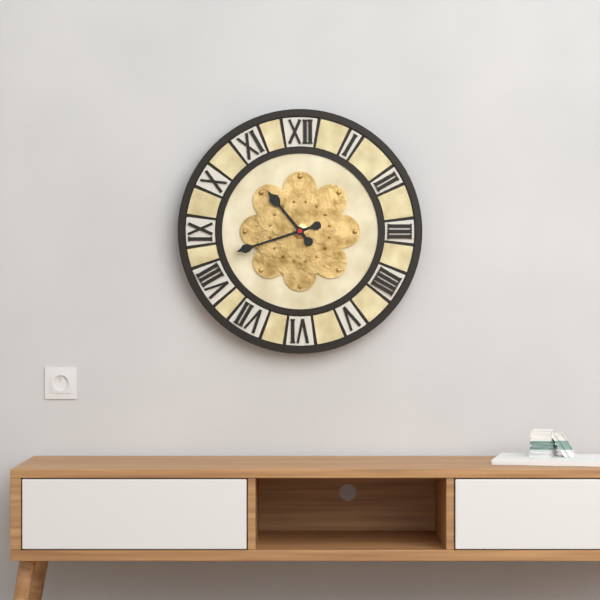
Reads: 10 h 42 min
